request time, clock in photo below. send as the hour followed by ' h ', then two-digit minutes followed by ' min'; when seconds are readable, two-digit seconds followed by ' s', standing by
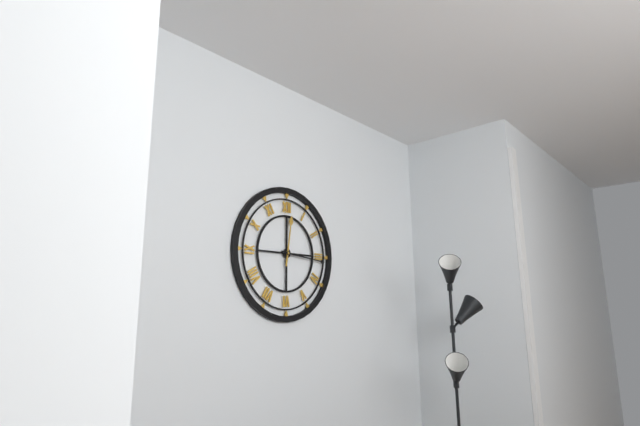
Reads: 12 h 16 min
